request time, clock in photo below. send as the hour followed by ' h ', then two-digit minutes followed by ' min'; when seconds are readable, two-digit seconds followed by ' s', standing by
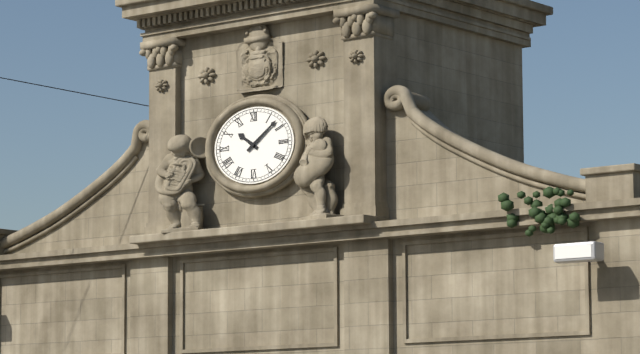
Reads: 10 h 09 min
